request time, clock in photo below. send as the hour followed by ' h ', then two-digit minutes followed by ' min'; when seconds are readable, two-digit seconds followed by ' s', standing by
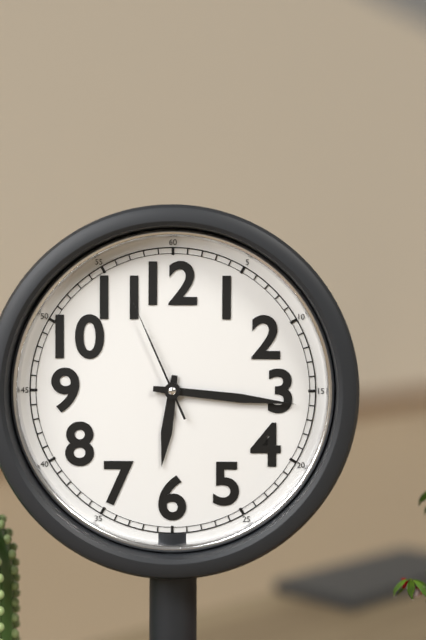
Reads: 6 h 16 min 56 s
